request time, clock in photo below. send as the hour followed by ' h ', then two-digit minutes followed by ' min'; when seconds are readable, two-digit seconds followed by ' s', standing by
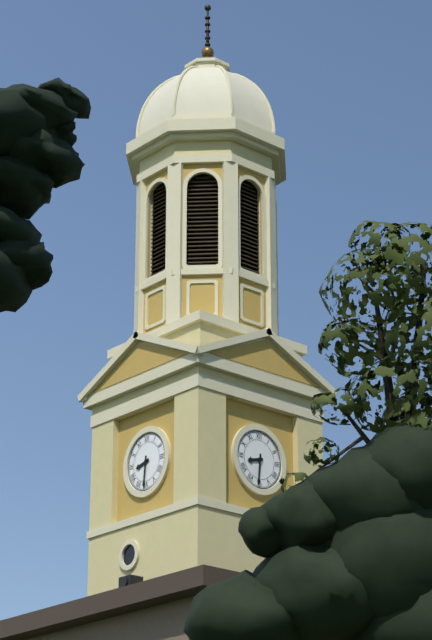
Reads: 8 h 31 min
